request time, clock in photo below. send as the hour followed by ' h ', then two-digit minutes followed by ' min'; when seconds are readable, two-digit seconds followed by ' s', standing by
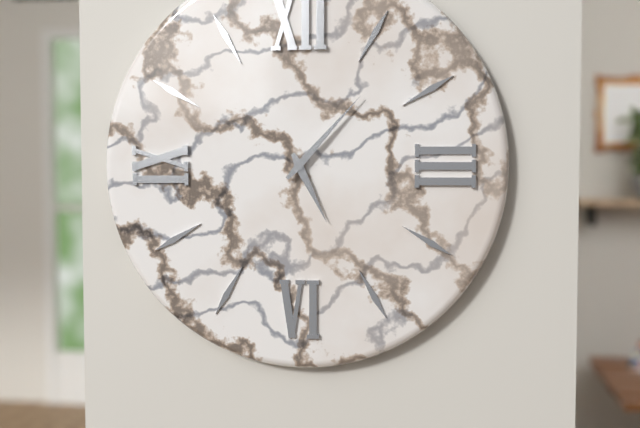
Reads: 5 h 07 min
